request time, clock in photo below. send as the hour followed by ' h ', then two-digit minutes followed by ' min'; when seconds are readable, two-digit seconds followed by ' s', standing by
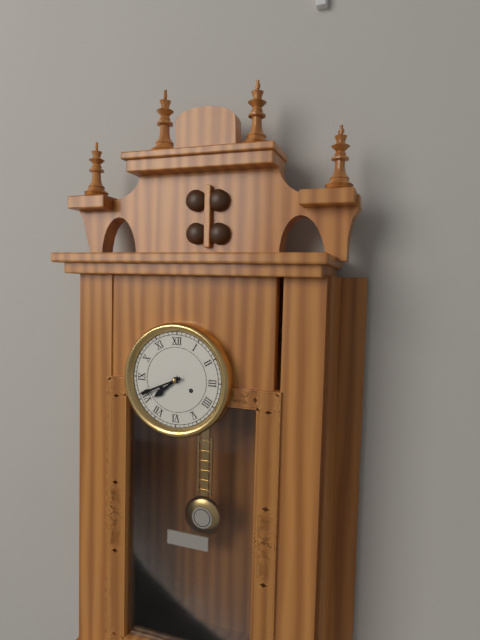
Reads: 7 h 41 min
